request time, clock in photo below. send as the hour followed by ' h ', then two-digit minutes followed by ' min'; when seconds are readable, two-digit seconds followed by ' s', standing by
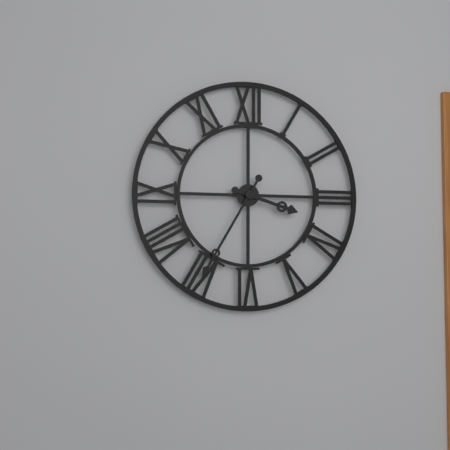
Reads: 3 h 35 min
